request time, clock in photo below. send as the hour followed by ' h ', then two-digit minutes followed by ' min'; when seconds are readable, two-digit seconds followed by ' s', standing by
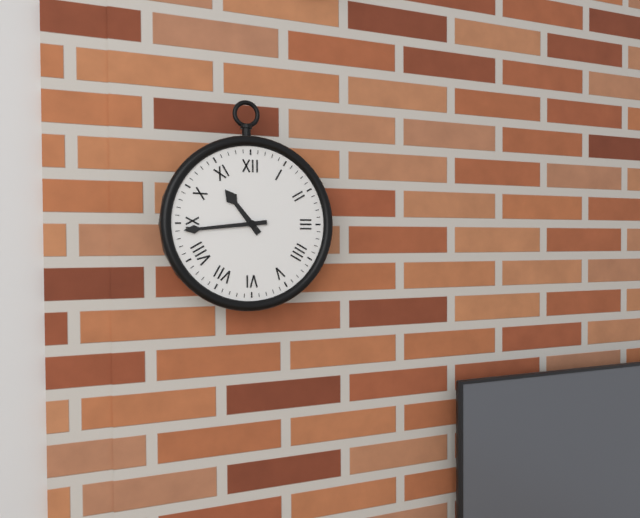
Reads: 10 h 44 min
